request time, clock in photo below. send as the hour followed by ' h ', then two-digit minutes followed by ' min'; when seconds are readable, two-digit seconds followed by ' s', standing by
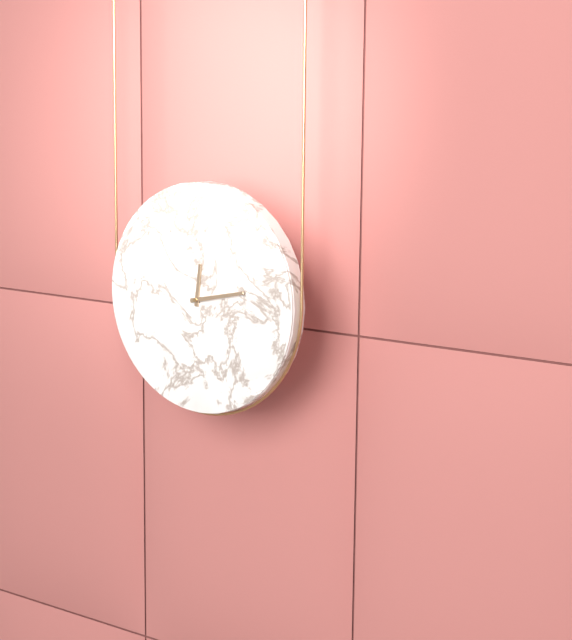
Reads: 12 h 13 min
